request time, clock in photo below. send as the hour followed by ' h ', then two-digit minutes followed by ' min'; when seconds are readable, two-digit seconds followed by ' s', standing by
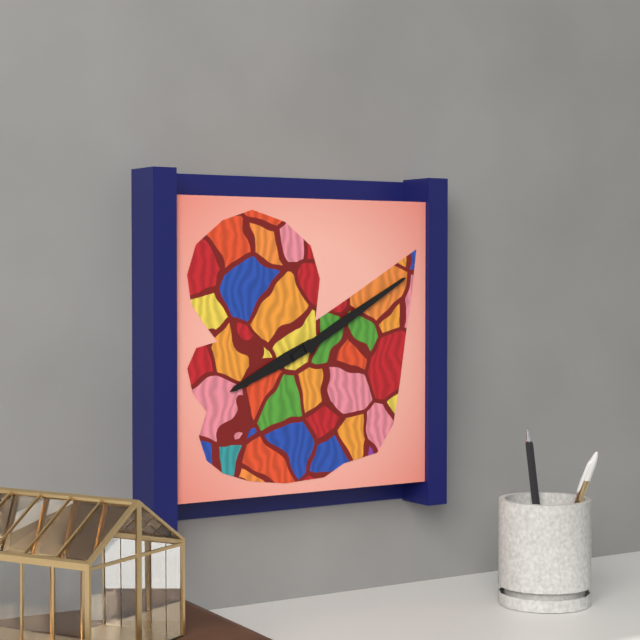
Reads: 8 h 10 min
